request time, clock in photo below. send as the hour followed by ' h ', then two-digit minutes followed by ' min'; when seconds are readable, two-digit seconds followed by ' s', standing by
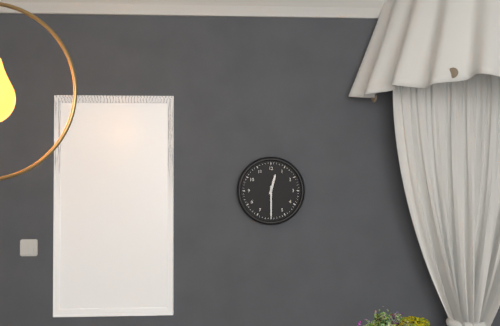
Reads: 12 h 30 min
